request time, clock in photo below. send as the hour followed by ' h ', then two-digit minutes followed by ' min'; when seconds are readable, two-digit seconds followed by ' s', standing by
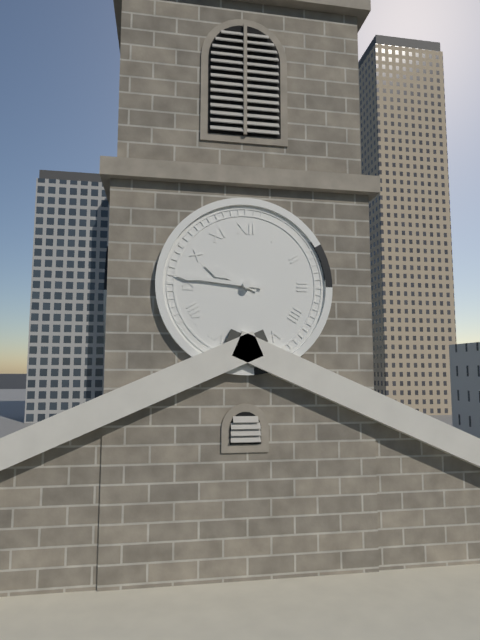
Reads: 9 h 46 min
